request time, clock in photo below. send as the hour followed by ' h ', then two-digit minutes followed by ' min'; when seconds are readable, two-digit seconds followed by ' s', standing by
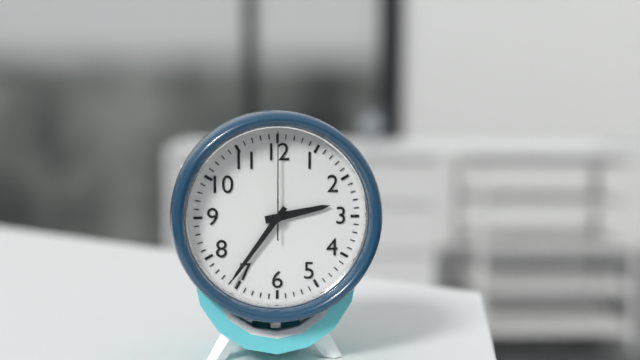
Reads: 2 h 36 min 00 s
